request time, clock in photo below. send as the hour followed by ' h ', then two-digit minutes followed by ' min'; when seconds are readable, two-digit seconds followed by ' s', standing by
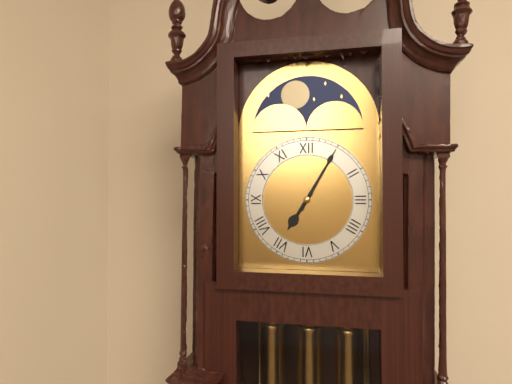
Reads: 7 h 05 min
